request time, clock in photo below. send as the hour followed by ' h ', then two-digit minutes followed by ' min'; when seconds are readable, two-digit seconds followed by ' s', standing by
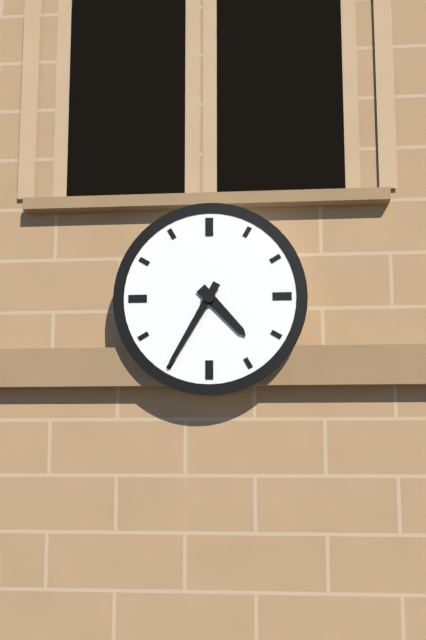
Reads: 4 h 35 min
